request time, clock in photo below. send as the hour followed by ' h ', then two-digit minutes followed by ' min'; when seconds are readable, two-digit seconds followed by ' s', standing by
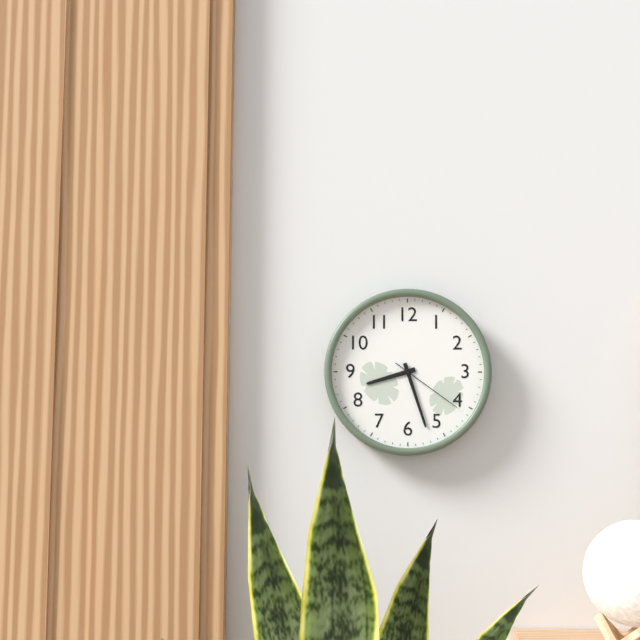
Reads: 8 h 27 min 21 s
